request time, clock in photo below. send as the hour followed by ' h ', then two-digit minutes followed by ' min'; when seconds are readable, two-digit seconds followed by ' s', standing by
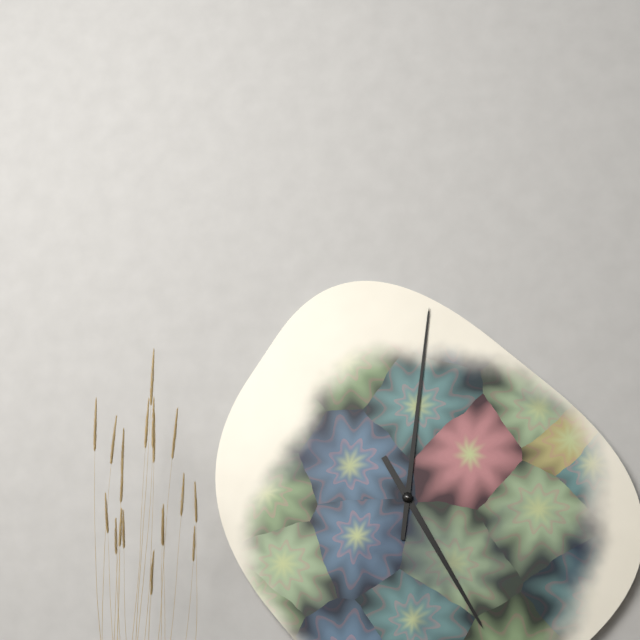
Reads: 5 h 01 min
